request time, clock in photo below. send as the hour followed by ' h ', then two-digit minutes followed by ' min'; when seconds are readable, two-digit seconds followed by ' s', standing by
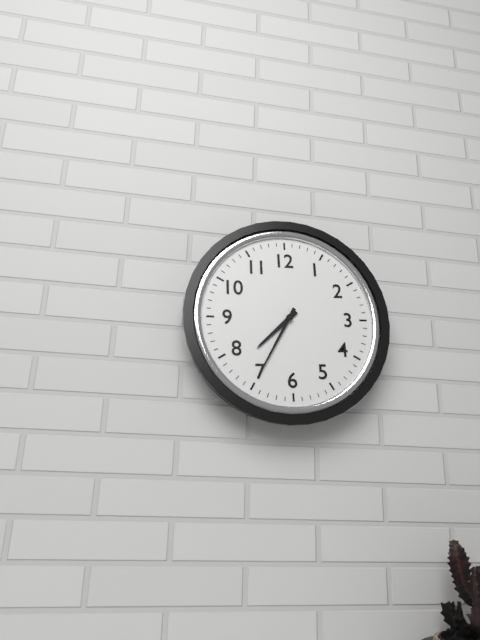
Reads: 7 h 35 min
